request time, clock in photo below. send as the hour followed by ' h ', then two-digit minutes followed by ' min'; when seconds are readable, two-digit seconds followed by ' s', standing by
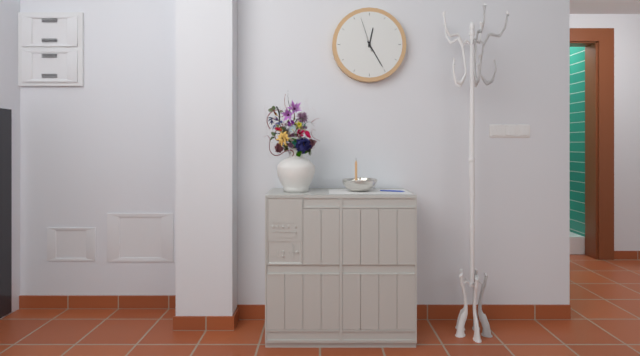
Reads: 12 h 25 min
